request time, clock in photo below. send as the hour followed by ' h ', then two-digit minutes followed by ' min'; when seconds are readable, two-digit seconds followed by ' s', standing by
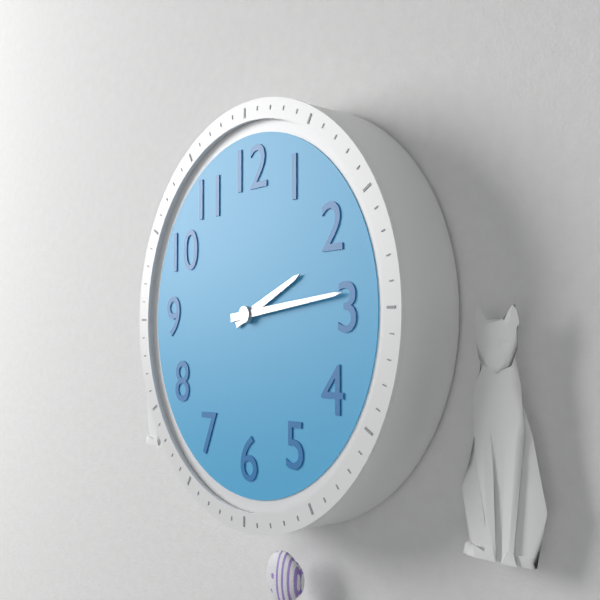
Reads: 2 h 14 min
